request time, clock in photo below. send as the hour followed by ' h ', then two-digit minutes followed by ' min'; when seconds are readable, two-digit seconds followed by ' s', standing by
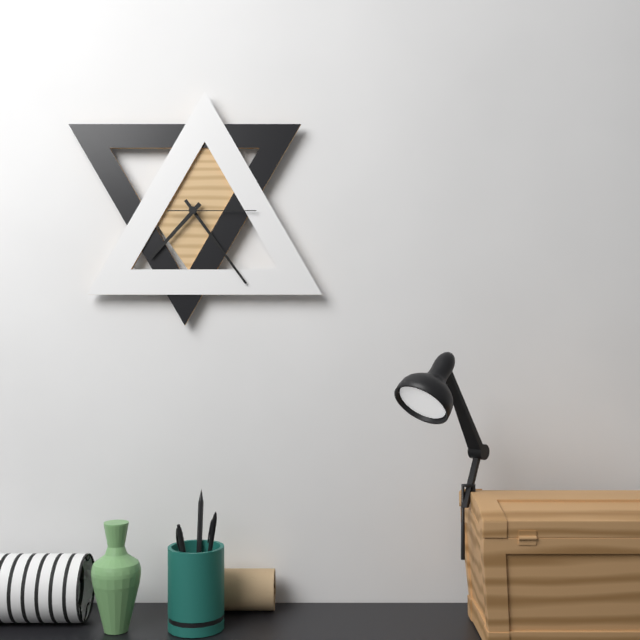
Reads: 7 h 24 min 15 s
